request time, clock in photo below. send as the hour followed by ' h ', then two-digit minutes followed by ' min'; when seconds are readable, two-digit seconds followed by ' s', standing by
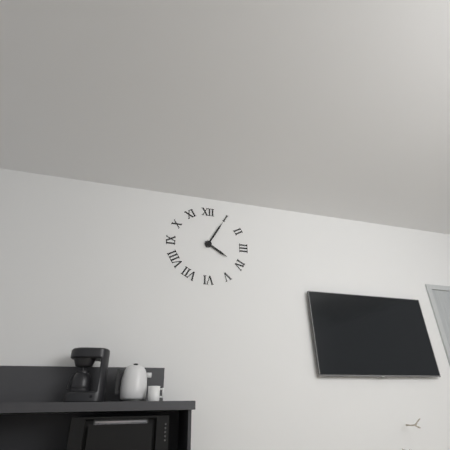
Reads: 4 h 05 min
